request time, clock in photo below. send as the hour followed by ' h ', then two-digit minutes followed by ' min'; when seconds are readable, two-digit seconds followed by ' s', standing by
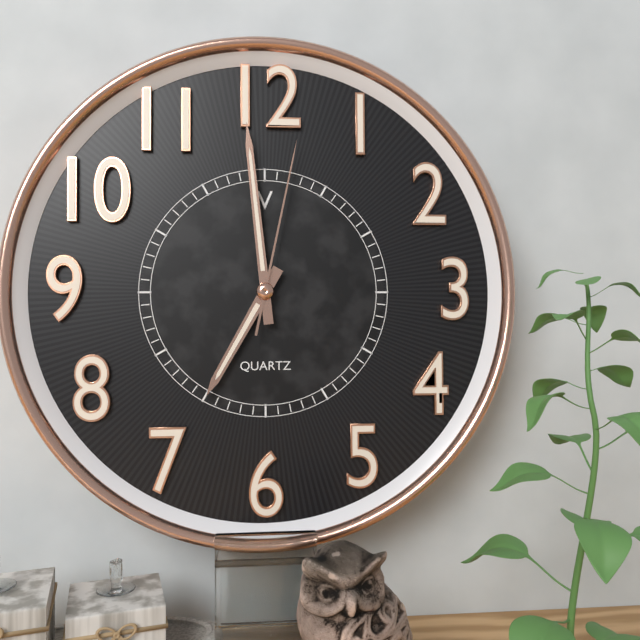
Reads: 6 h 59 min 02 s
